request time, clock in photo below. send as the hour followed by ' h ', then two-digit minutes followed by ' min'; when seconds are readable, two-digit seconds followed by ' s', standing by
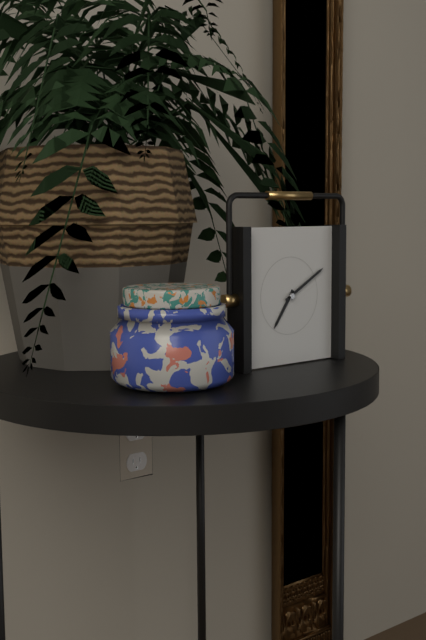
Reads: 7 h 10 min
